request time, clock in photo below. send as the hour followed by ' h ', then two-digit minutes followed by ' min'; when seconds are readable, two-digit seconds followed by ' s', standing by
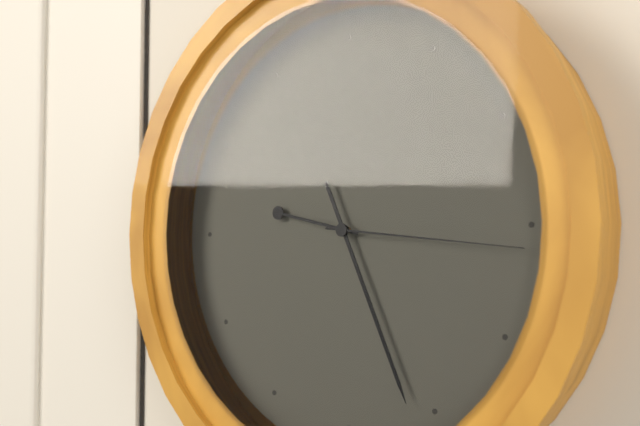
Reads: 9 h 26 min 16 s
